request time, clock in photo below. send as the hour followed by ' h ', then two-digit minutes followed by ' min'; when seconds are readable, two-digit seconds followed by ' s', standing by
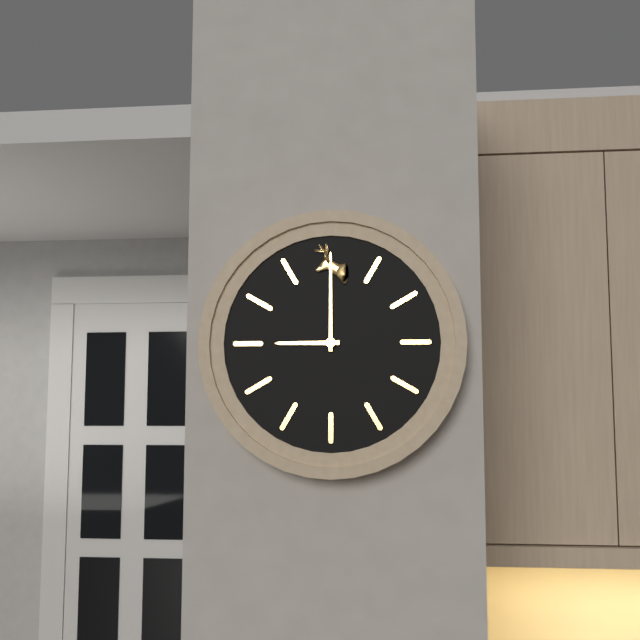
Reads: 9 h 00 min
